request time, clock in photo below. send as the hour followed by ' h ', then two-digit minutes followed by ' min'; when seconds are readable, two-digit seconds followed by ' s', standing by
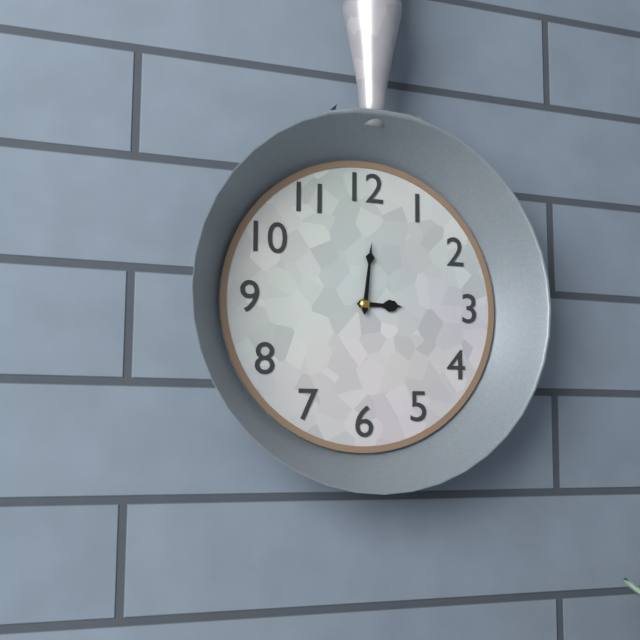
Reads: 3 h 01 min
